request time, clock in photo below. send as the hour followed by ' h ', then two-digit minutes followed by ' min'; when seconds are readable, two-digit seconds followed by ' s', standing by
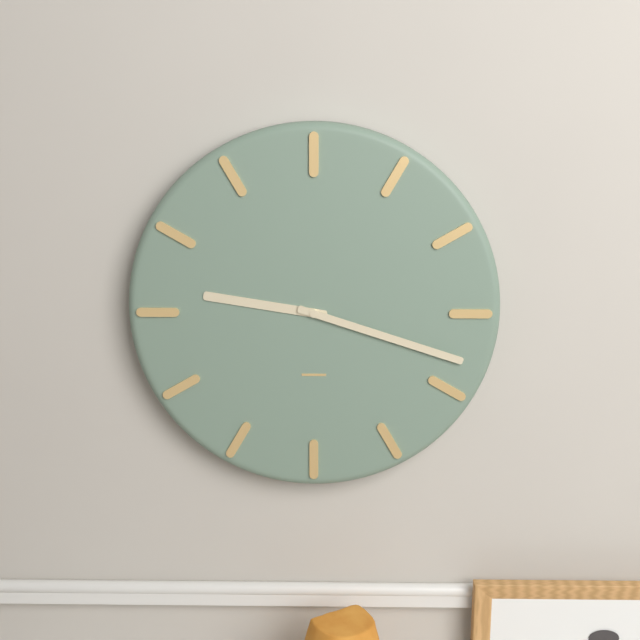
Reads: 9 h 18 min
